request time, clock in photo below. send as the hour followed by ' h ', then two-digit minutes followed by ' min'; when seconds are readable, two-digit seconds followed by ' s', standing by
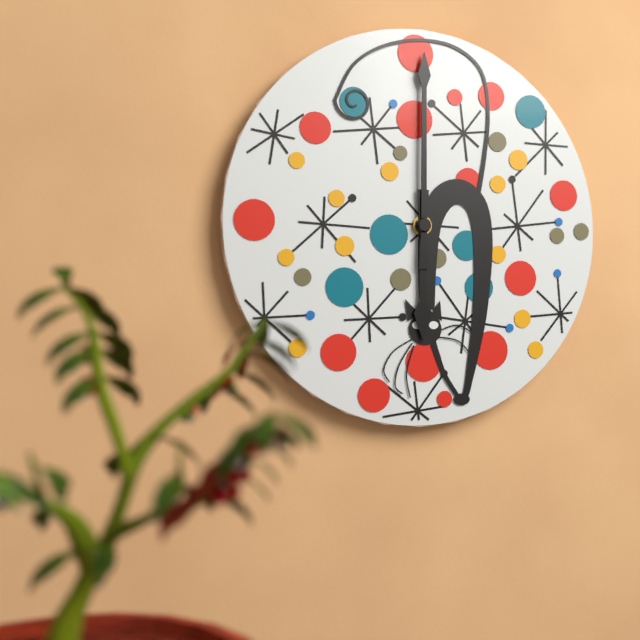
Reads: 6 h 00 min
